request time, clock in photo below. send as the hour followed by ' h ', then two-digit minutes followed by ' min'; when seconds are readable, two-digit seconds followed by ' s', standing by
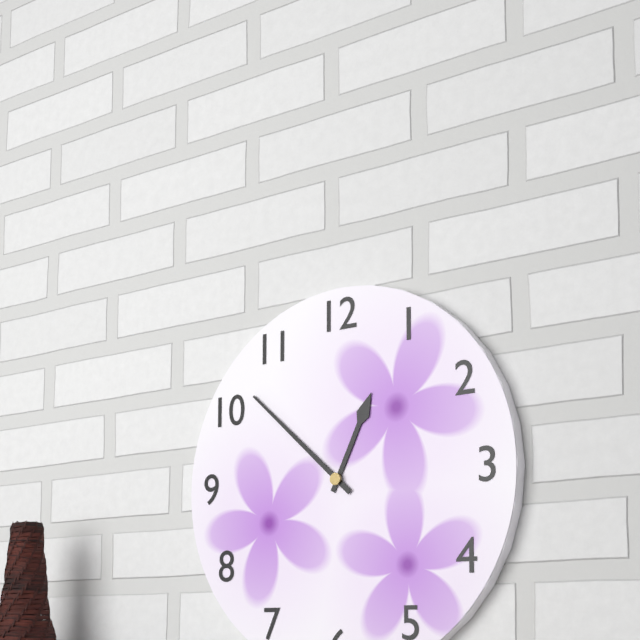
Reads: 12 h 52 min
